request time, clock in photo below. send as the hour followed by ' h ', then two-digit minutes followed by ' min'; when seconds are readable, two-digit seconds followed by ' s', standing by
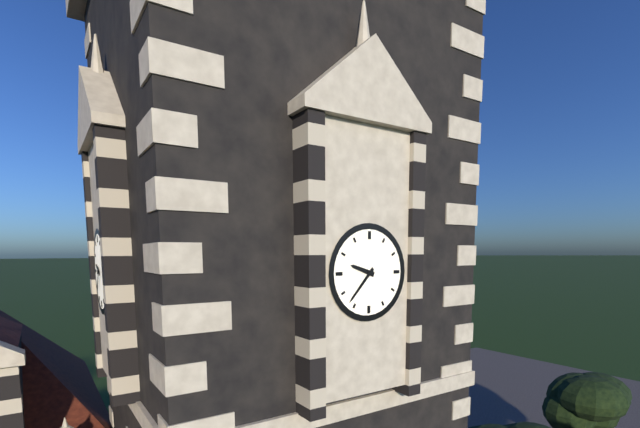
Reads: 9 h 37 min
